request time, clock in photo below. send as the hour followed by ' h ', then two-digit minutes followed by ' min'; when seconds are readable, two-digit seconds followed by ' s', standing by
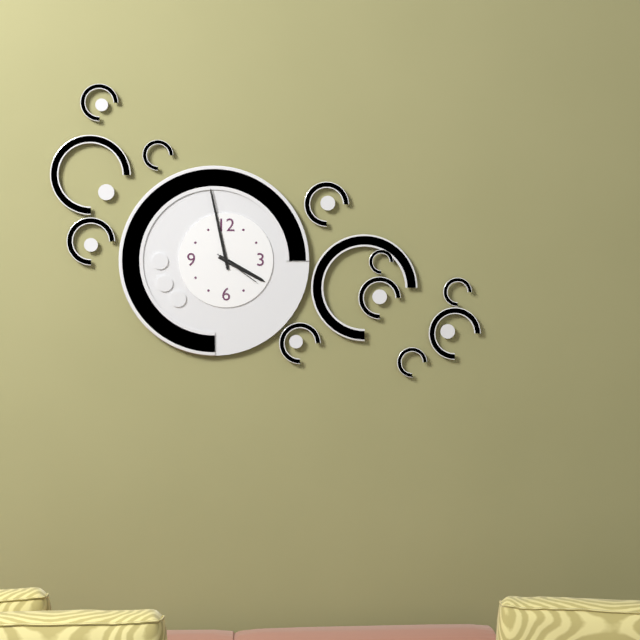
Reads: 3 h 58 min
